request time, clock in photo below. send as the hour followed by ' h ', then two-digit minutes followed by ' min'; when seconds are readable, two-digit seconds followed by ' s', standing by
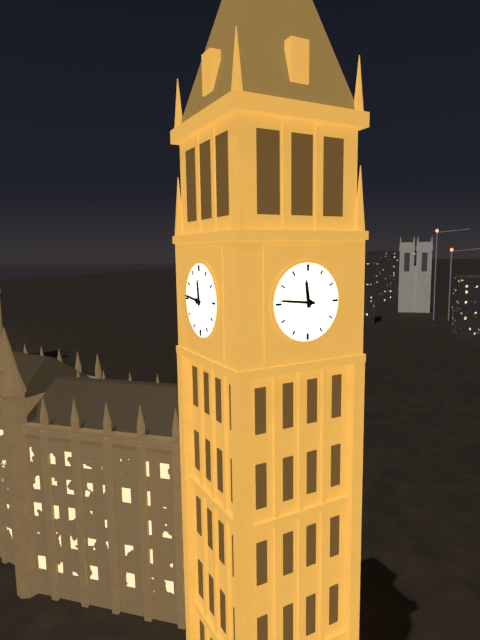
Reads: 11 h 46 min
